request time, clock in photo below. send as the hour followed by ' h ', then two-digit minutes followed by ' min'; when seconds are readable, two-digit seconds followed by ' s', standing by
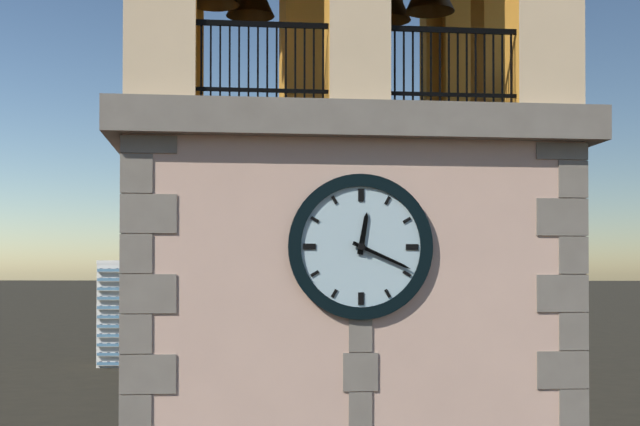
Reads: 12 h 19 min
